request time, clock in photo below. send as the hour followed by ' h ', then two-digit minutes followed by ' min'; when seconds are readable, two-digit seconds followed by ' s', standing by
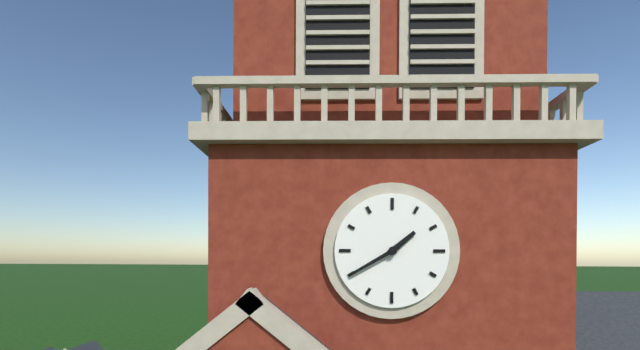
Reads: 1 h 40 min
